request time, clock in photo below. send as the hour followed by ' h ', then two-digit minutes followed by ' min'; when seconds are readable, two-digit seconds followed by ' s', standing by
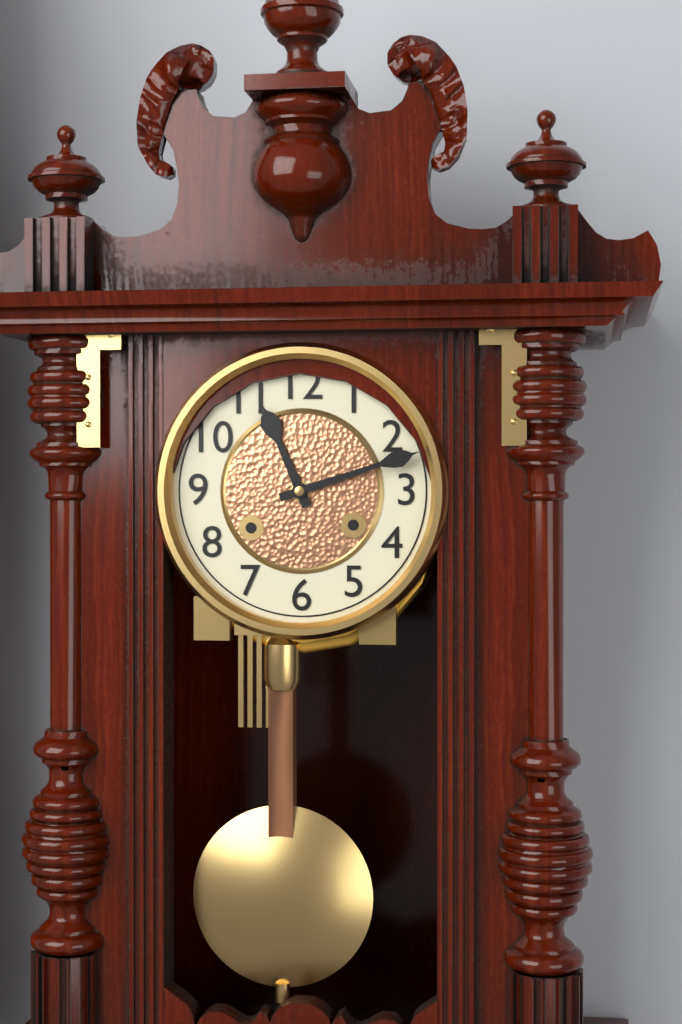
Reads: 11 h 12 min
